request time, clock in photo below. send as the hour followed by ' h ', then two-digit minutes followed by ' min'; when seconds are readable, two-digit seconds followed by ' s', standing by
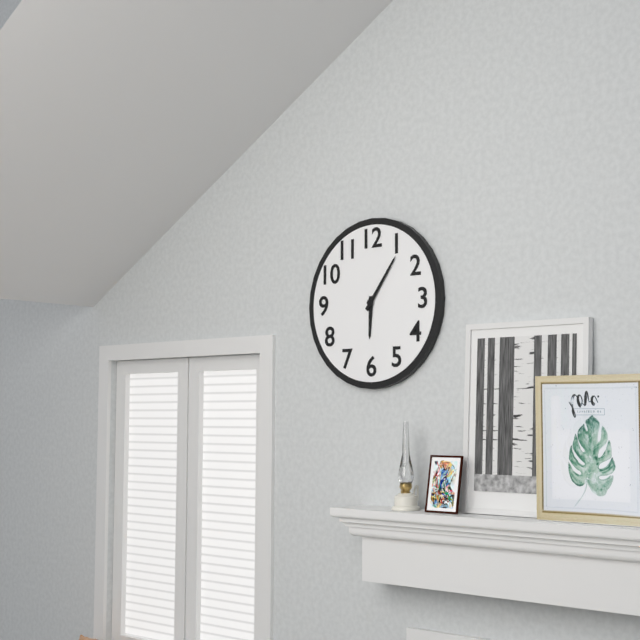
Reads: 6 h 06 min
